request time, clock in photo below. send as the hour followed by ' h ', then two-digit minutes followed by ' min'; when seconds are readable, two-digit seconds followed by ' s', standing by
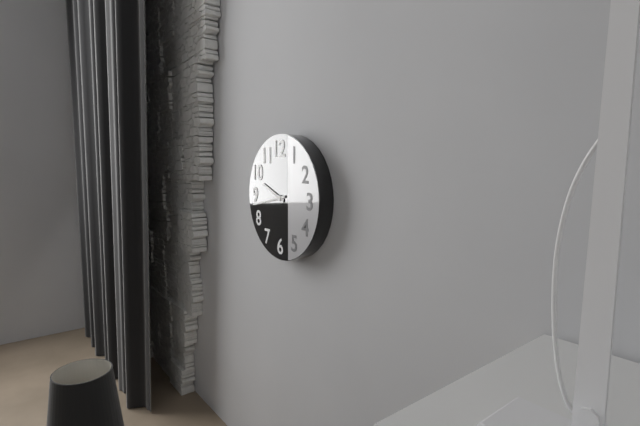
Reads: 9 h 43 min
